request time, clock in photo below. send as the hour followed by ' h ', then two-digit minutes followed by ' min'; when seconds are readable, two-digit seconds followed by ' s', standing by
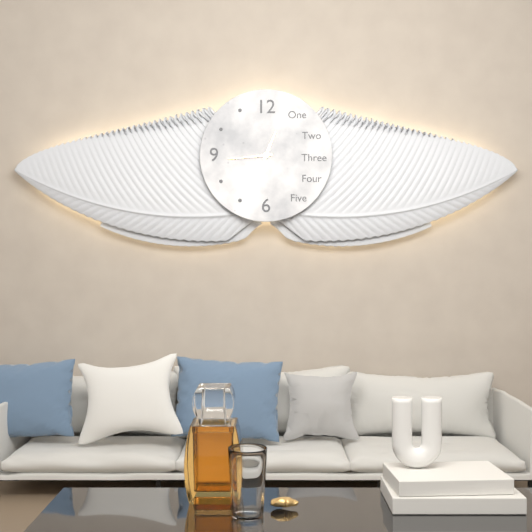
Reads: 12 h 44 min
